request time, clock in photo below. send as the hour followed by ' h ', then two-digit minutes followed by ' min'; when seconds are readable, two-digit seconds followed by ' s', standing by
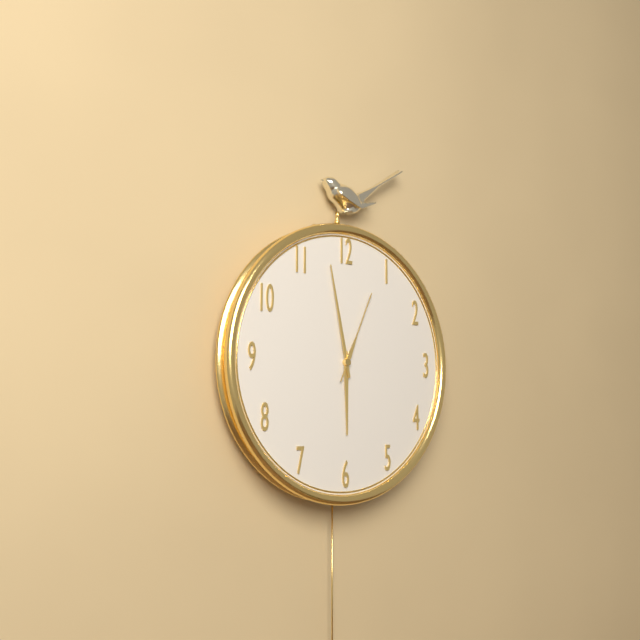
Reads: 5 h 58 min 04 s
